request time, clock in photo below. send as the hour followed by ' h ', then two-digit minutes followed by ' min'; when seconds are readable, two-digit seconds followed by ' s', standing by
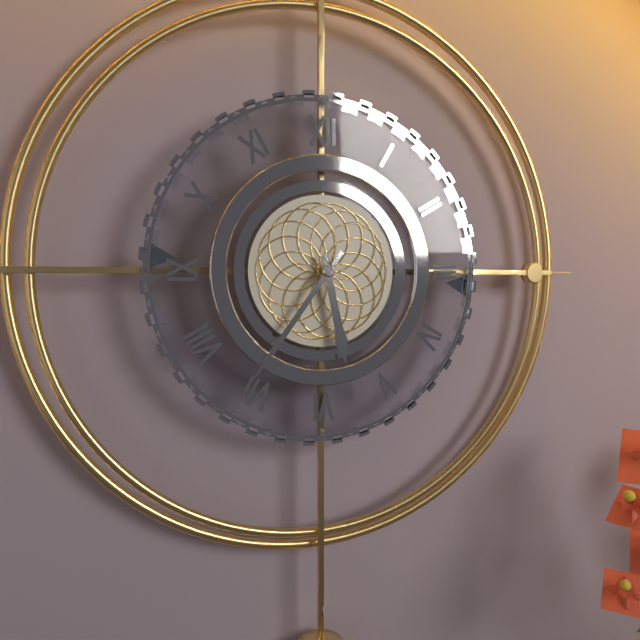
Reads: 5 h 36 min
